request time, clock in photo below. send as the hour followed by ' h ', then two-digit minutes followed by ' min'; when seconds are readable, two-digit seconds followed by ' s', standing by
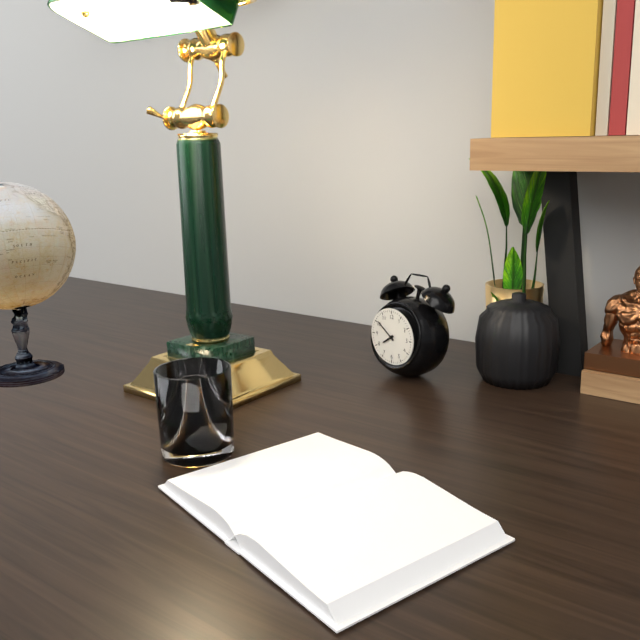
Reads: 7 h 51 min
